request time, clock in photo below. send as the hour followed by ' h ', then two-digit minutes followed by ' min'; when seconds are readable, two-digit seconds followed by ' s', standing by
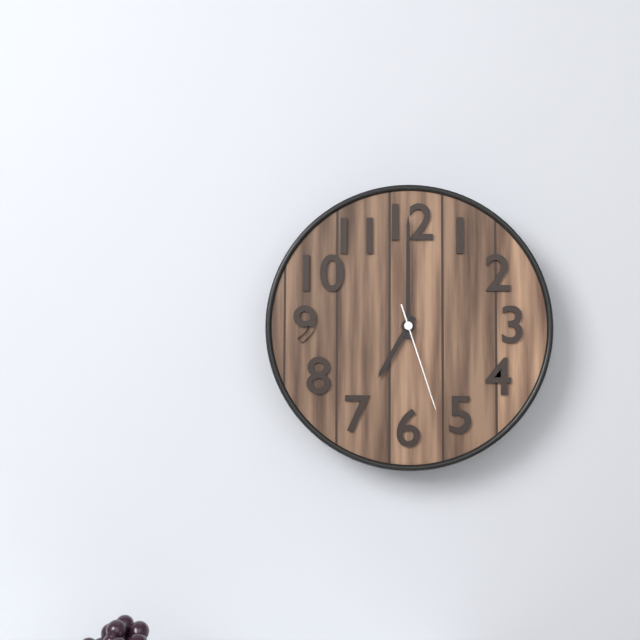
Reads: 7 h 00 min 27 s
